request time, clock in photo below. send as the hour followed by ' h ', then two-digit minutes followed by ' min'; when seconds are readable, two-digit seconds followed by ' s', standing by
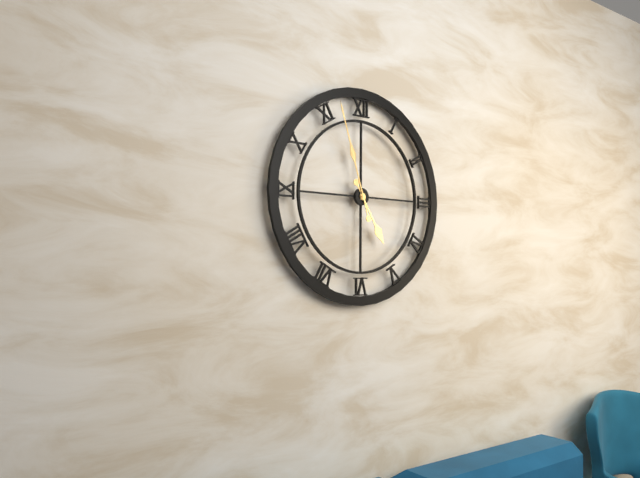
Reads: 4 h 57 min
